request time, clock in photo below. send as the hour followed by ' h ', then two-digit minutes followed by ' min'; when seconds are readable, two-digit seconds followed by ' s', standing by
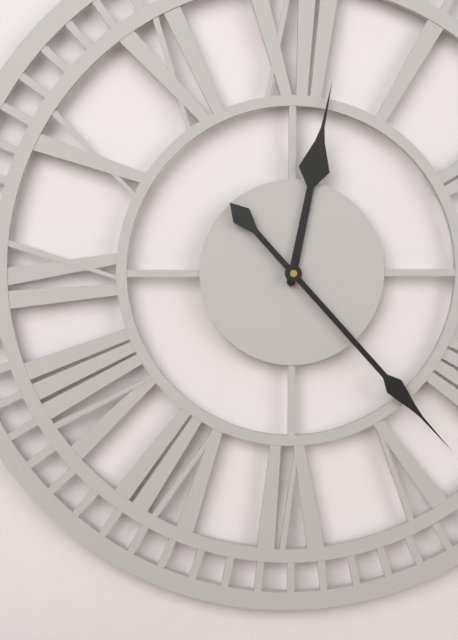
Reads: 12 h 23 min
